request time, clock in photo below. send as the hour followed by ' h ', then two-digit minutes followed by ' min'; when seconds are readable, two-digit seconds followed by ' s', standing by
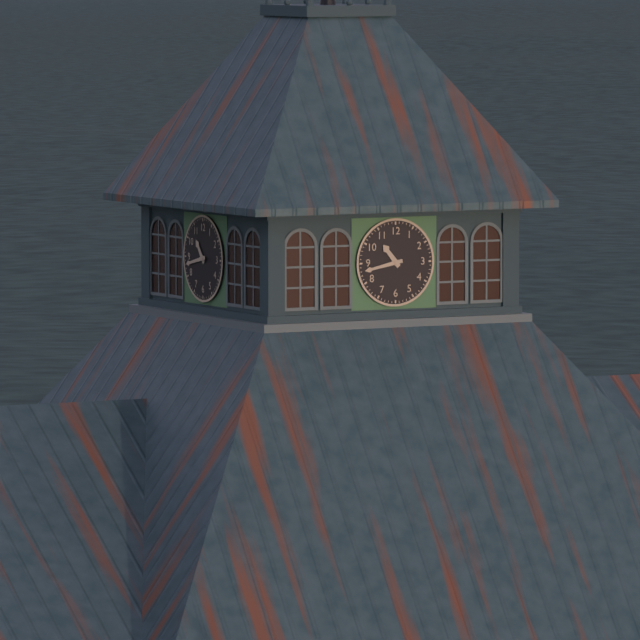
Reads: 10 h 43 min
